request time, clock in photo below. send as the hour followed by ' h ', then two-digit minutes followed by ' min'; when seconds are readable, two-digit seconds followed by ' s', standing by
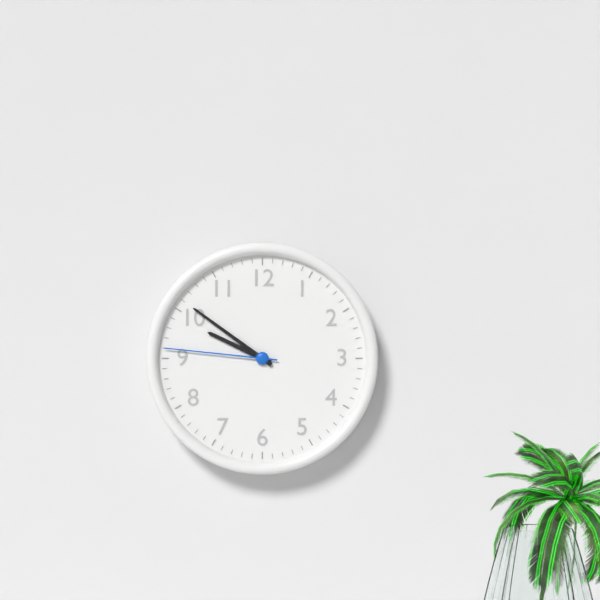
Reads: 9 h 51 min 46 s
